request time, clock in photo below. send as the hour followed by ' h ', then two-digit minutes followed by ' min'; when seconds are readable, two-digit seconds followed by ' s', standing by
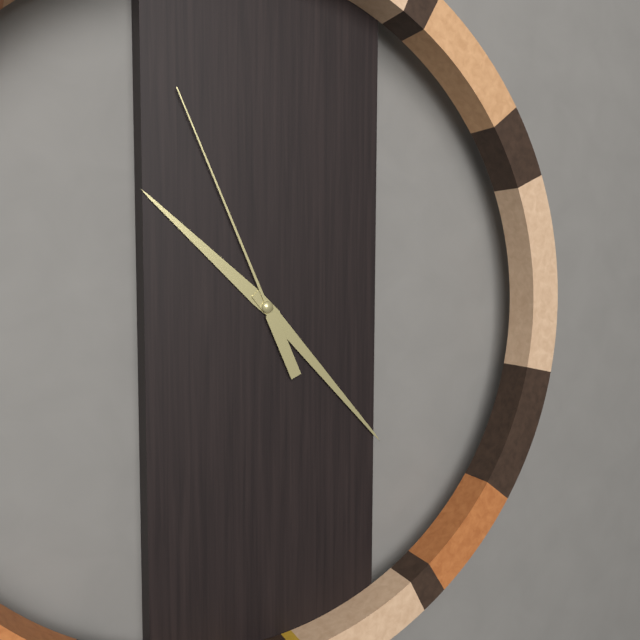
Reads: 10 h 23 min 56 s
